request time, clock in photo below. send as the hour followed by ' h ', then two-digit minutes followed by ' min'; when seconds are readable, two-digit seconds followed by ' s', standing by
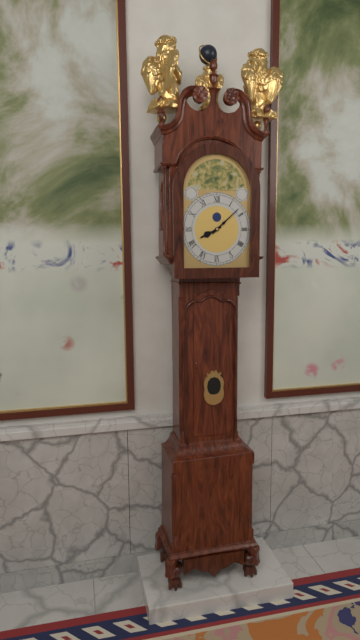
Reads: 8 h 08 min
